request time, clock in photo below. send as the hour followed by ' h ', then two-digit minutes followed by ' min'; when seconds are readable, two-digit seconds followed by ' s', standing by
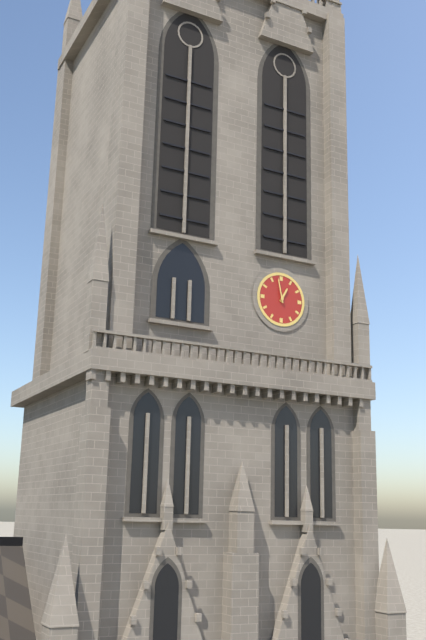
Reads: 12 h 58 min
